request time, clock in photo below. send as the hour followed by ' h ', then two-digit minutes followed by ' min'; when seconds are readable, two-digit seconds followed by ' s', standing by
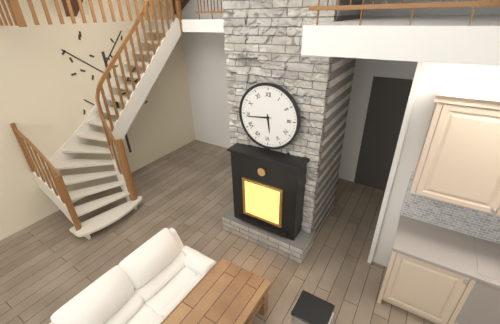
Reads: 5 h 44 min
